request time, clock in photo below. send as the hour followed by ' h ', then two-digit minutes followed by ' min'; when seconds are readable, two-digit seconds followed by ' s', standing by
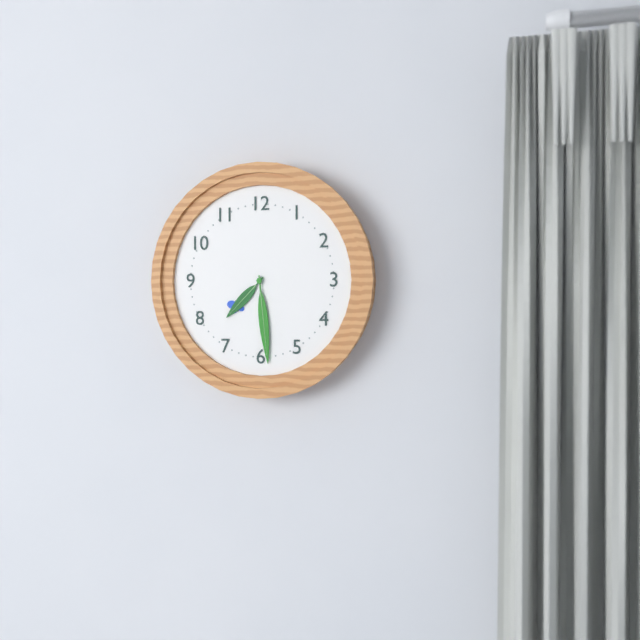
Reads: 7 h 29 min
